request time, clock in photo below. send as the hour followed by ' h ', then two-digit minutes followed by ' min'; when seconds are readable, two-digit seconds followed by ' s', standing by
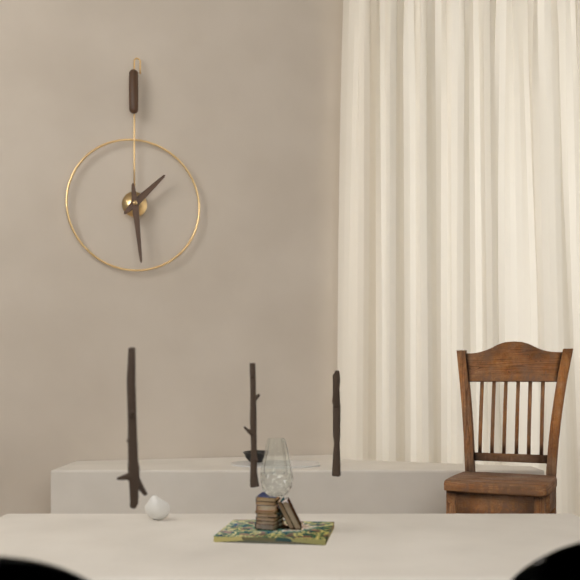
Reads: 1 h 29 min
